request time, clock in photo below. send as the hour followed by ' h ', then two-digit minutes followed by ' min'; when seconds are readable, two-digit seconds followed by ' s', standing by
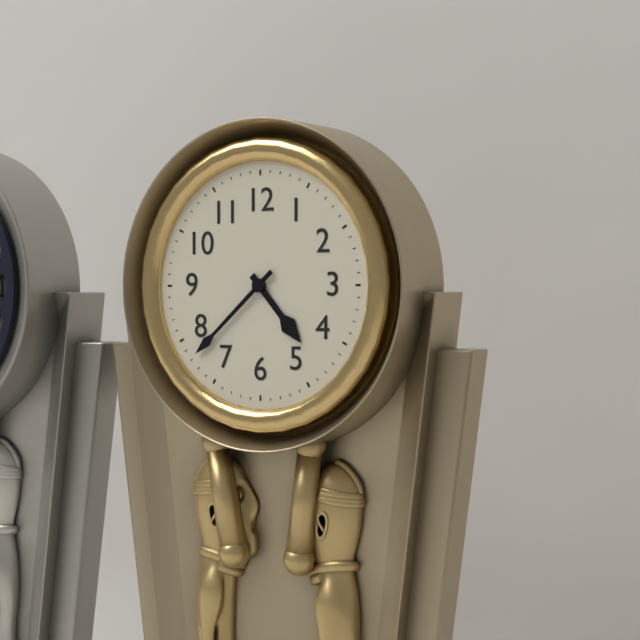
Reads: 4 h 38 min
